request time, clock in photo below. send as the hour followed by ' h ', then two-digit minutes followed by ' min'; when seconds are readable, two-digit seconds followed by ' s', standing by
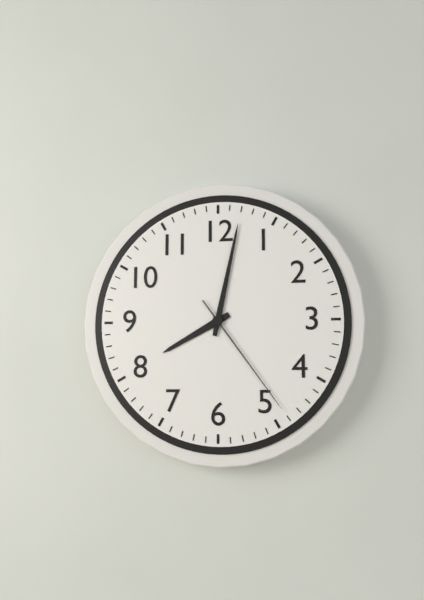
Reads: 8 h 02 min 24 s
